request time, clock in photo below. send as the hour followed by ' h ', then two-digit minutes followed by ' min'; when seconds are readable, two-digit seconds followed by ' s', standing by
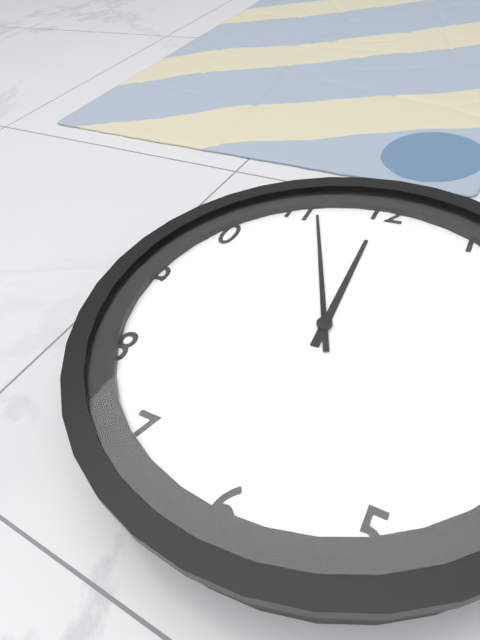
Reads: 11 h 56 min
